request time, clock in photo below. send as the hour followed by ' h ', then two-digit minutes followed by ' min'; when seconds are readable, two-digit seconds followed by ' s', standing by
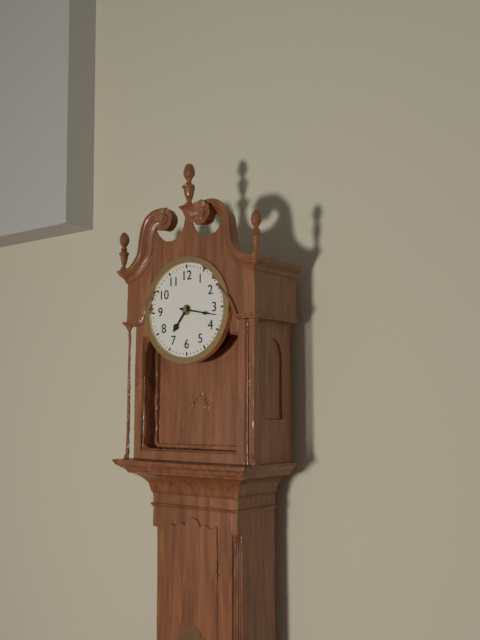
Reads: 7 h 17 min
